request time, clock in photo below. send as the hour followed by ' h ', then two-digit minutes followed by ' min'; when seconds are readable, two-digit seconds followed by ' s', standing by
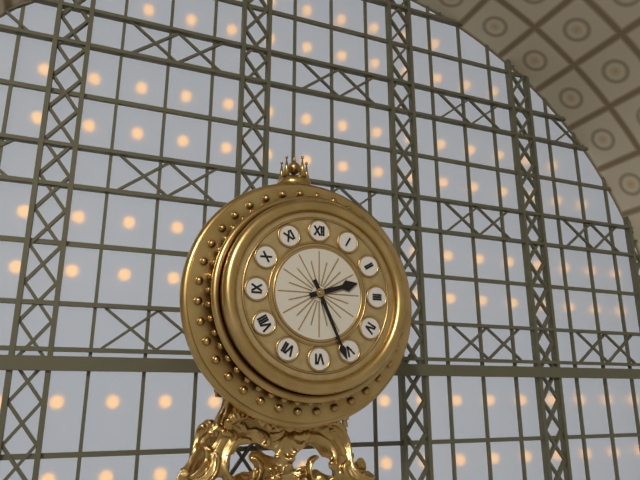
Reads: 2 h 26 min
